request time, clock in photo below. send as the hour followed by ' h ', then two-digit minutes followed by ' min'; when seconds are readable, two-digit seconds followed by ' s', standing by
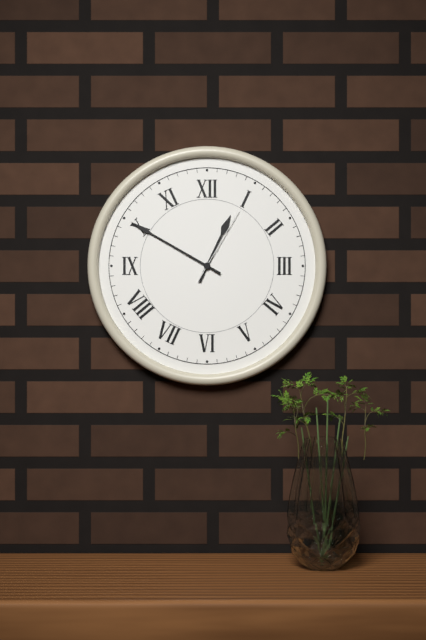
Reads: 12 h 50 min 05 s
